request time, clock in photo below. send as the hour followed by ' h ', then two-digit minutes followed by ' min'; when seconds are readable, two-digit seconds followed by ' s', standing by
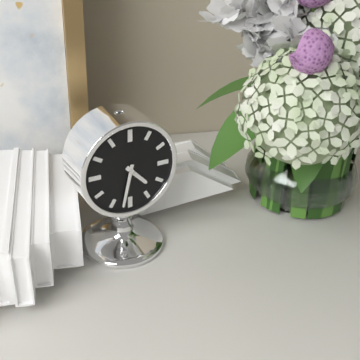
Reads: 4 h 32 min
